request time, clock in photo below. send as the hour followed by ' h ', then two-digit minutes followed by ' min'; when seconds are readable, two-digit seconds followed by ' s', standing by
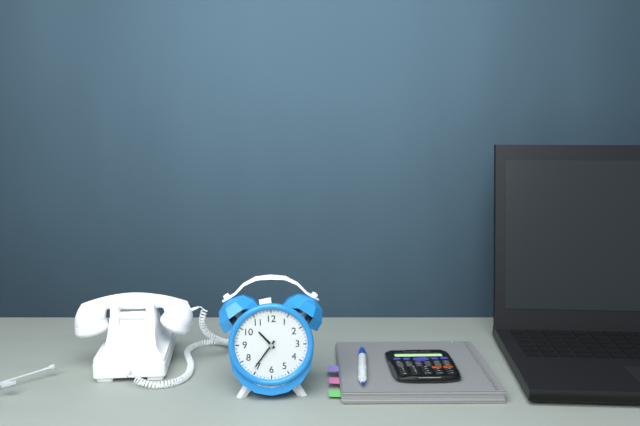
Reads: 10 h 36 min
